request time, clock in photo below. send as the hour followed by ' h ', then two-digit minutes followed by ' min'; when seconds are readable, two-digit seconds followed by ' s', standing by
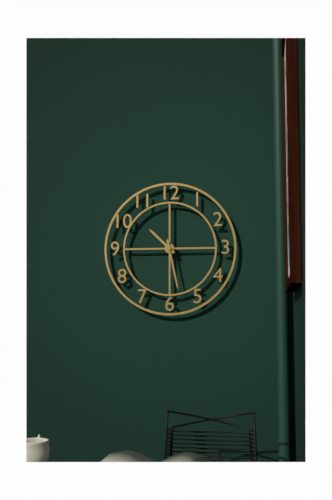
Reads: 10 h 28 min
